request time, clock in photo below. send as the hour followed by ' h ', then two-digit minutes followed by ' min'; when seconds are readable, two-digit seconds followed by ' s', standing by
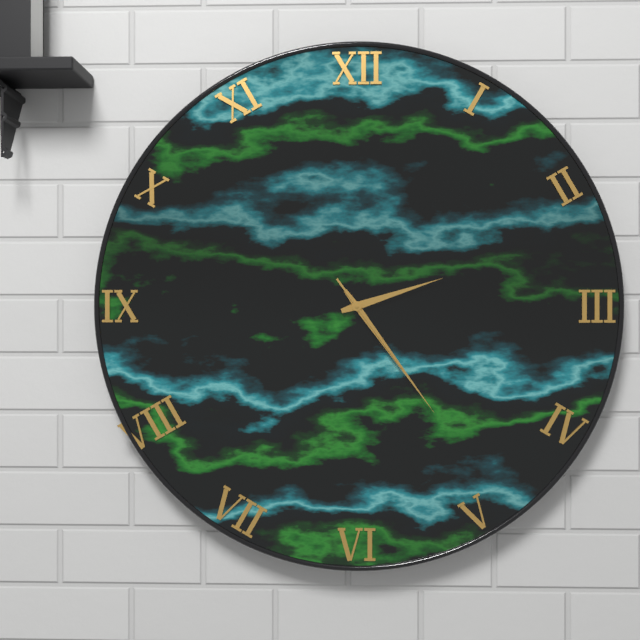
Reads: 2 h 24 min 24 s
